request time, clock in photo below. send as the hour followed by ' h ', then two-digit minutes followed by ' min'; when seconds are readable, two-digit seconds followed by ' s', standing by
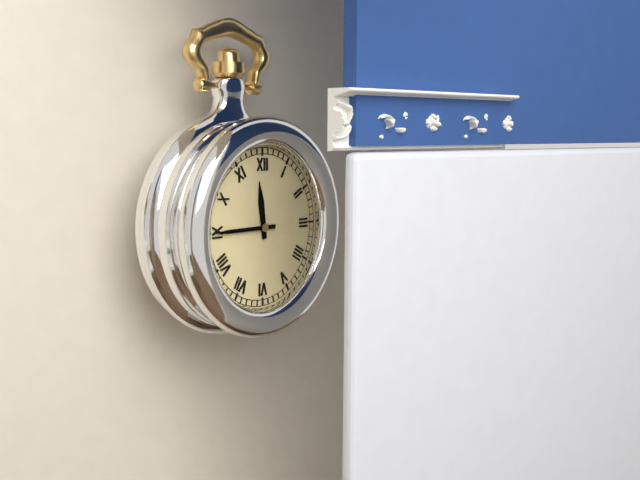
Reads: 11 h 45 min
